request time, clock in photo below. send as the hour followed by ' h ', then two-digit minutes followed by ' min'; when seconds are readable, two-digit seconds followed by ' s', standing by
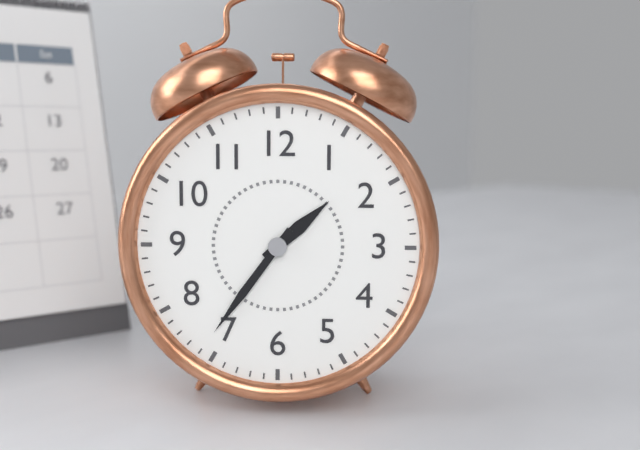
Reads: 1 h 36 min
